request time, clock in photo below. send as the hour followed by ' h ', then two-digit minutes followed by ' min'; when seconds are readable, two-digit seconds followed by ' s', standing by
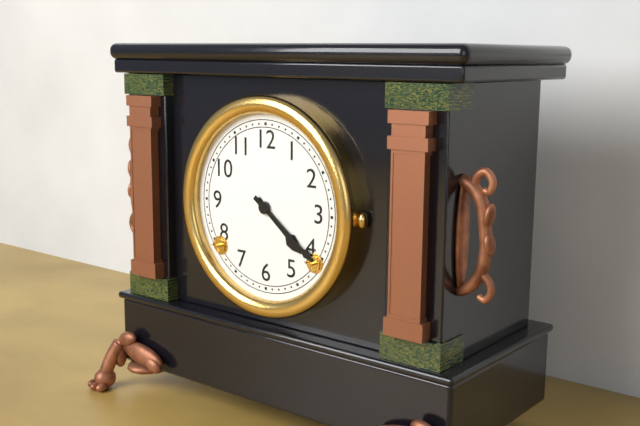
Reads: 4 h 21 min
